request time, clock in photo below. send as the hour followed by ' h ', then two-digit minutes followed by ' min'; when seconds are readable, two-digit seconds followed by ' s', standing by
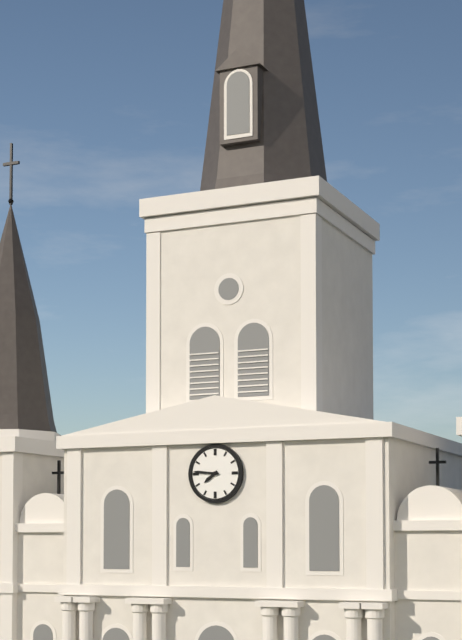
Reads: 7 h 46 min
